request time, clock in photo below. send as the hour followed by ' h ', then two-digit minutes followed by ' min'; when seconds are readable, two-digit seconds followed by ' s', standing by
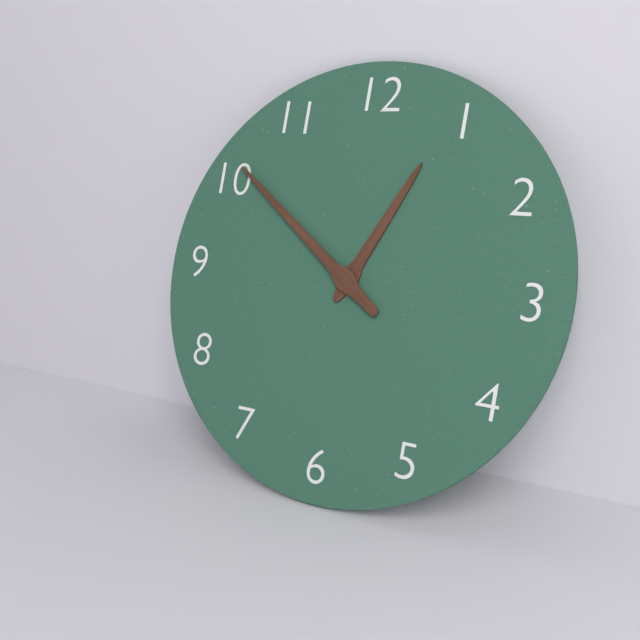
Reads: 12 h 51 min
